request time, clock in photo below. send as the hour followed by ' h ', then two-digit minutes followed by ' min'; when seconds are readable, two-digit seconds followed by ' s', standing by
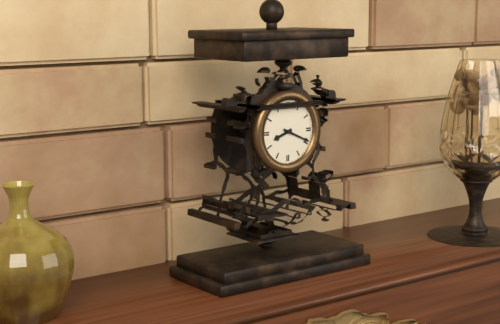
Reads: 8 h 19 min
